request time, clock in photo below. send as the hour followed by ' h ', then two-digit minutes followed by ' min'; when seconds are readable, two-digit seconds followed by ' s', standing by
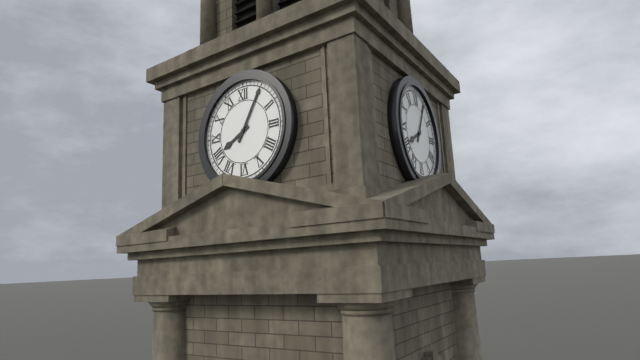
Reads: 8 h 05 min
